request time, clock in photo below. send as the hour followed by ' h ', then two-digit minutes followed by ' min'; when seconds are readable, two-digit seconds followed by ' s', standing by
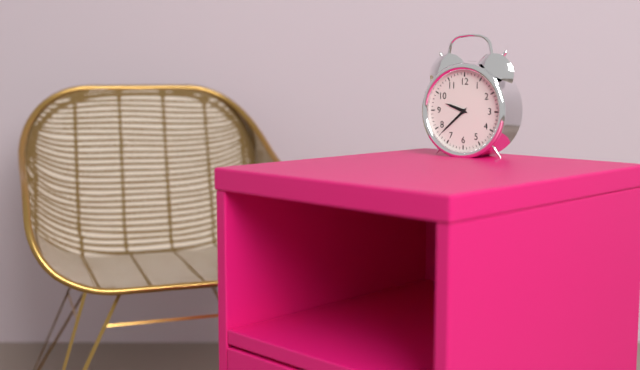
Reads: 9 h 38 min
